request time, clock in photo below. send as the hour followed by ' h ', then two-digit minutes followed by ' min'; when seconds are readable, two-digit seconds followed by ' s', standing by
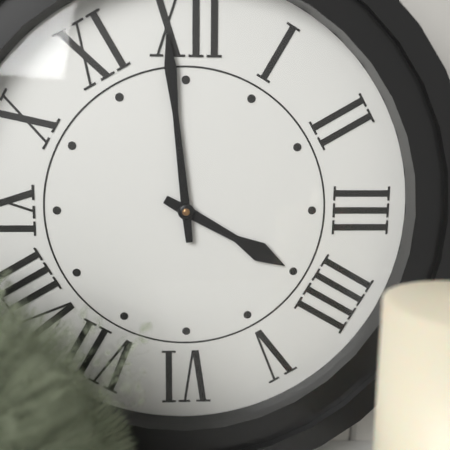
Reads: 3 h 59 min
